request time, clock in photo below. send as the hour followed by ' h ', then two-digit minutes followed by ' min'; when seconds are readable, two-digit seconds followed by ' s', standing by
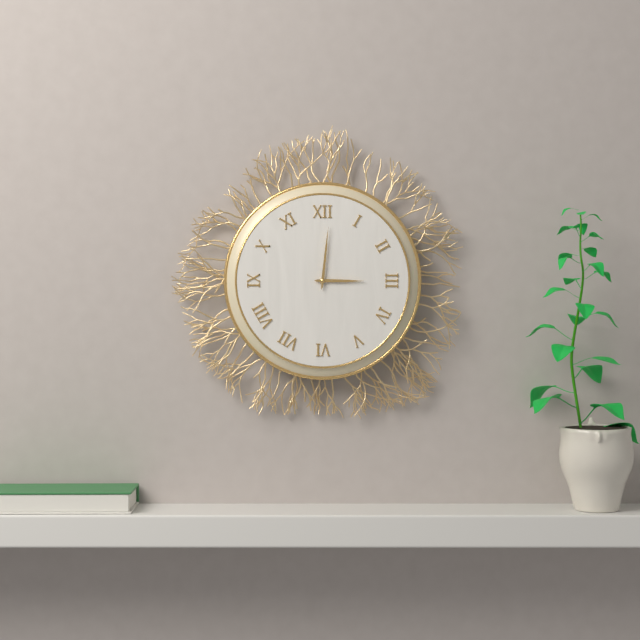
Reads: 3 h 01 min
